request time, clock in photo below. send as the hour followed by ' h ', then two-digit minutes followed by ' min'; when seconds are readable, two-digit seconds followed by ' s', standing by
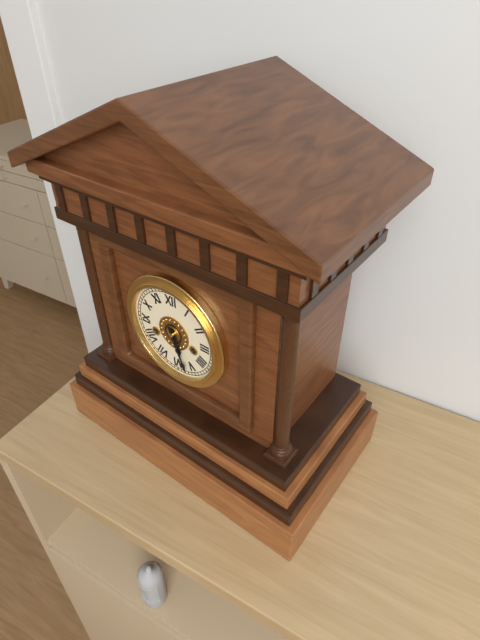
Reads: 5 h 27 min
